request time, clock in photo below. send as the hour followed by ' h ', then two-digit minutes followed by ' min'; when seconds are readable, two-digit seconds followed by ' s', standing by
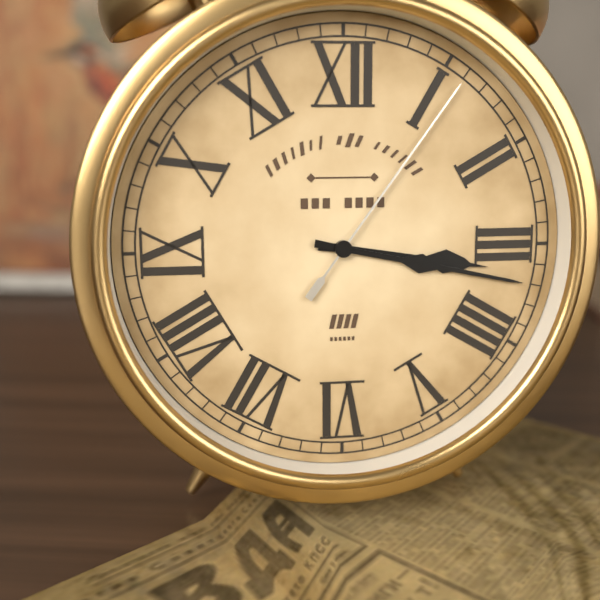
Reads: 3 h 17 min 06 s
